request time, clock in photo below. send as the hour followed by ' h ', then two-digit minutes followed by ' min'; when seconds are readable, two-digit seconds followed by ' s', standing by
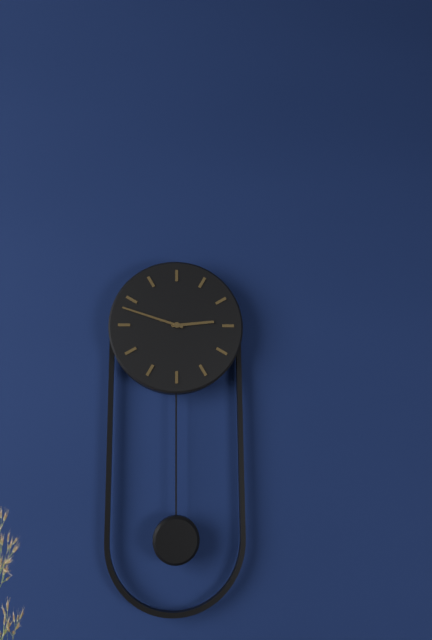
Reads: 2 h 48 min
